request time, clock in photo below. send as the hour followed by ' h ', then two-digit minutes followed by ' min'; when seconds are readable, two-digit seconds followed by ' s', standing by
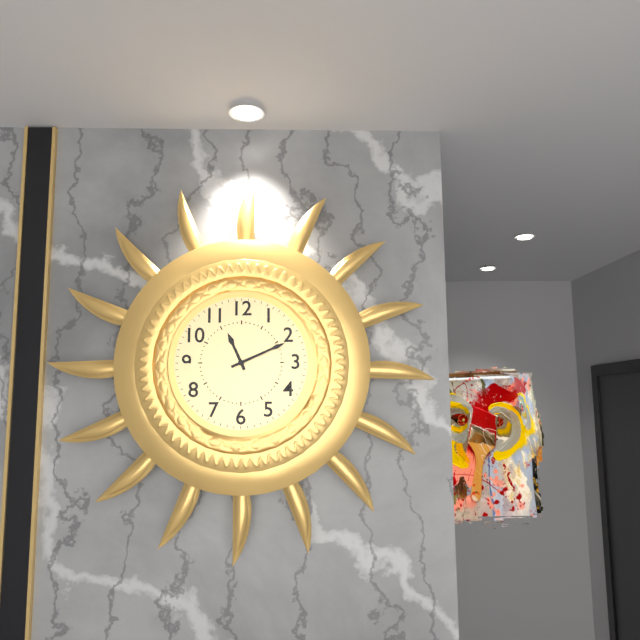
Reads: 11 h 11 min
